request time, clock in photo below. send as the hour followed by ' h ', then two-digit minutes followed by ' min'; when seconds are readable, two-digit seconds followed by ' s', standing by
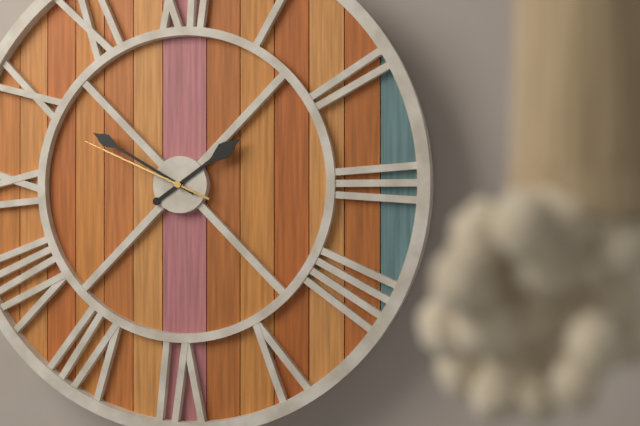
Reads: 1 h 50 min 49 s
